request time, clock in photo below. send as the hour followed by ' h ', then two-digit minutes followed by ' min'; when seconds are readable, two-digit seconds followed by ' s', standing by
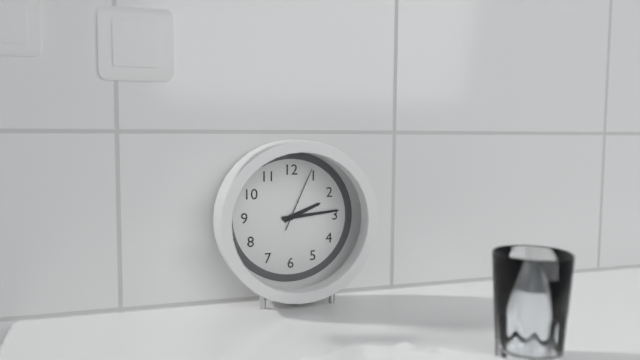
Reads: 2 h 14 min 04 s
